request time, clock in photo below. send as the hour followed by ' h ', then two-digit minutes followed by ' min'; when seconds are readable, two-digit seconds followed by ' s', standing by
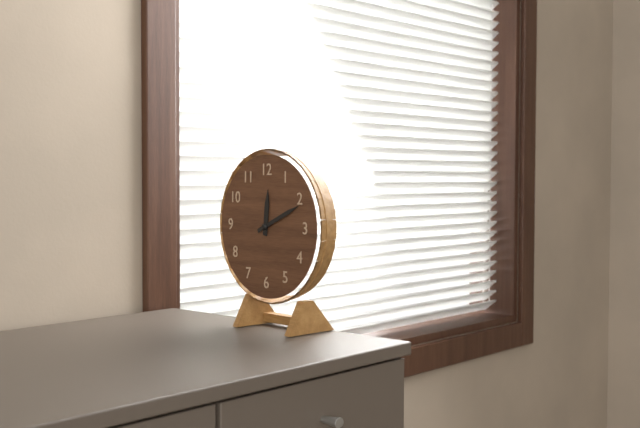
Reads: 12 h 11 min
